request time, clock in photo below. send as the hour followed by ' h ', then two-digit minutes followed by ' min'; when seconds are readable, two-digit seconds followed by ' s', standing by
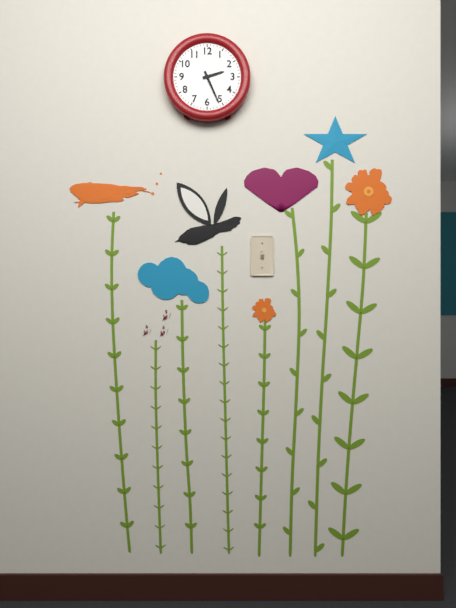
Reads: 2 h 26 min
